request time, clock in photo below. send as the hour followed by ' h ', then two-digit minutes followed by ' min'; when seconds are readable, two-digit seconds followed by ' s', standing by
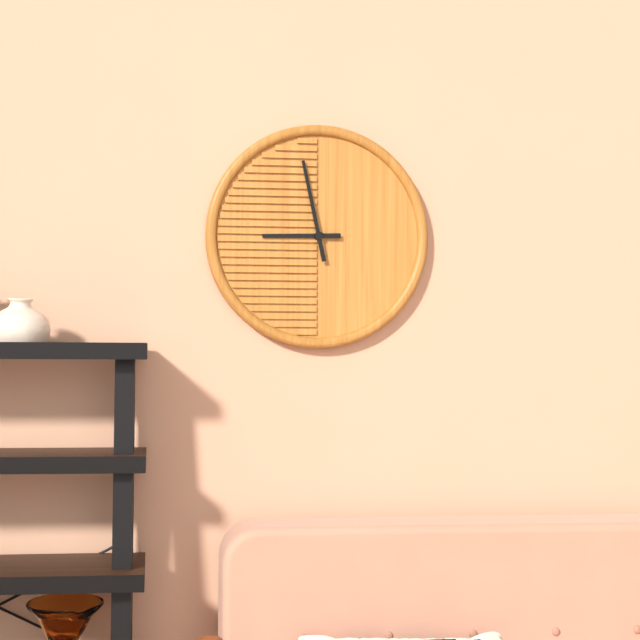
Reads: 8 h 58 min
